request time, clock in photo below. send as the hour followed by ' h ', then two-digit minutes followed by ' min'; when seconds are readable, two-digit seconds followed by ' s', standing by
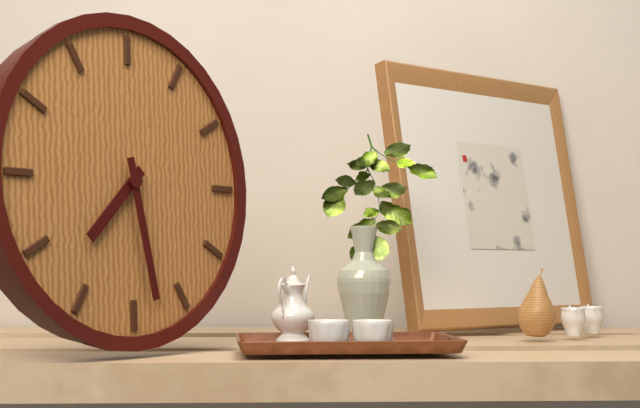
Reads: 7 h 28 min
